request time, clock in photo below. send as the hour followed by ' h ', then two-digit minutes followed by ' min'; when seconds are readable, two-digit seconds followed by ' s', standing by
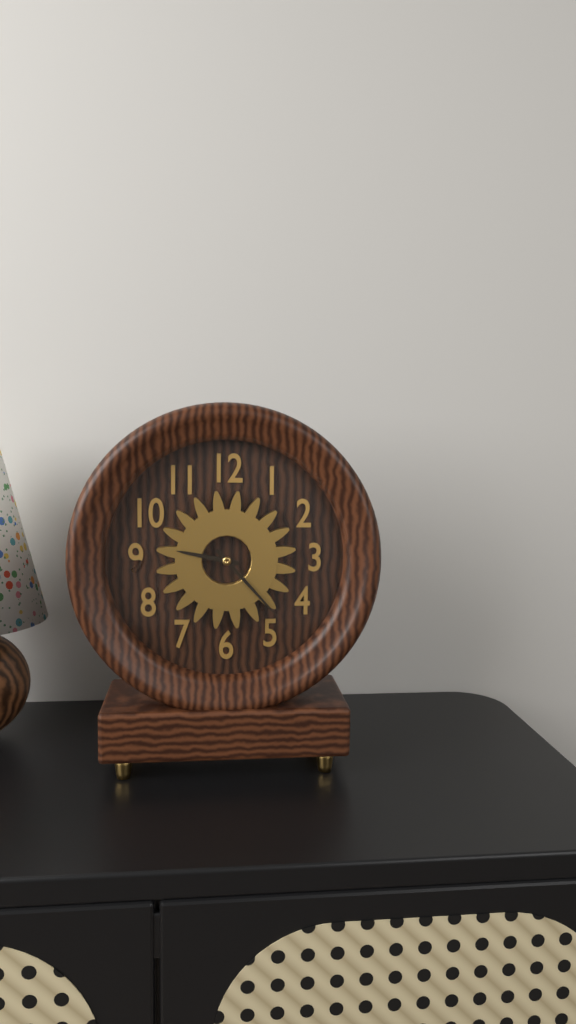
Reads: 9 h 23 min
